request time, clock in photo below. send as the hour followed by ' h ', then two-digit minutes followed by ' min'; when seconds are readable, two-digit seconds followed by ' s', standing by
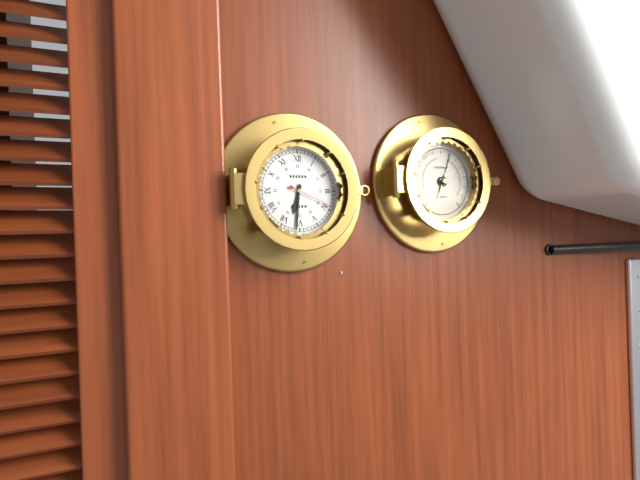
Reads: 6 h 31 min
